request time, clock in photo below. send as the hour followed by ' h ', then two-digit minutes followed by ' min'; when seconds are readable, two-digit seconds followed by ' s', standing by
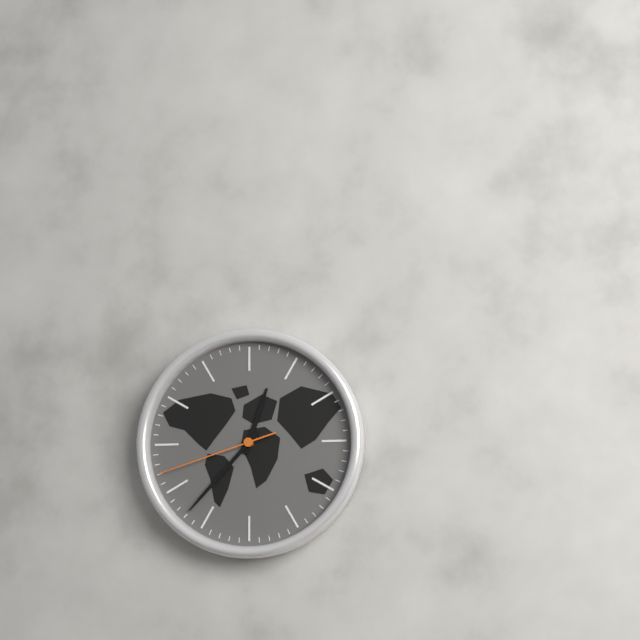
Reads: 12 h 37 min 42 s
